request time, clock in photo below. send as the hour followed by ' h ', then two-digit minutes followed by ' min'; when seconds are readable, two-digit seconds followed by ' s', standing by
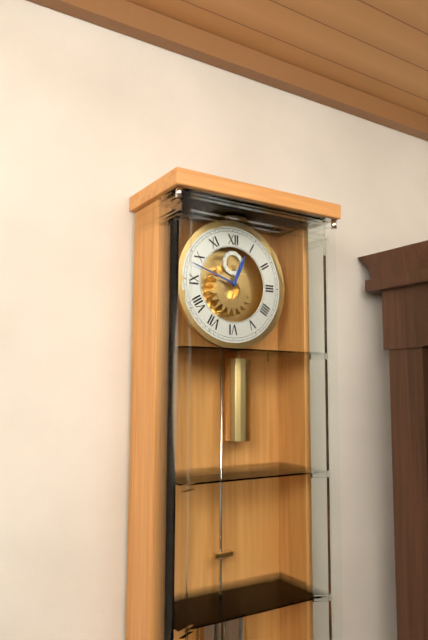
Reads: 12 h 48 min
